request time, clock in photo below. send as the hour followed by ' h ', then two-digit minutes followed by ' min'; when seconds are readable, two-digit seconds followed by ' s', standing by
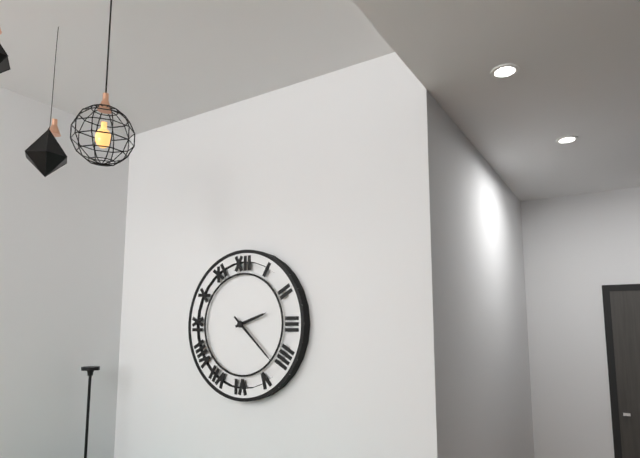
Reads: 2 h 22 min
